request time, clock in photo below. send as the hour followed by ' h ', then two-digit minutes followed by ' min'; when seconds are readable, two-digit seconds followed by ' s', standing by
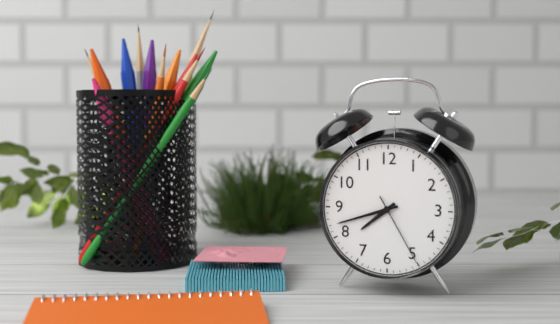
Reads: 7 h 42 min 25 s
